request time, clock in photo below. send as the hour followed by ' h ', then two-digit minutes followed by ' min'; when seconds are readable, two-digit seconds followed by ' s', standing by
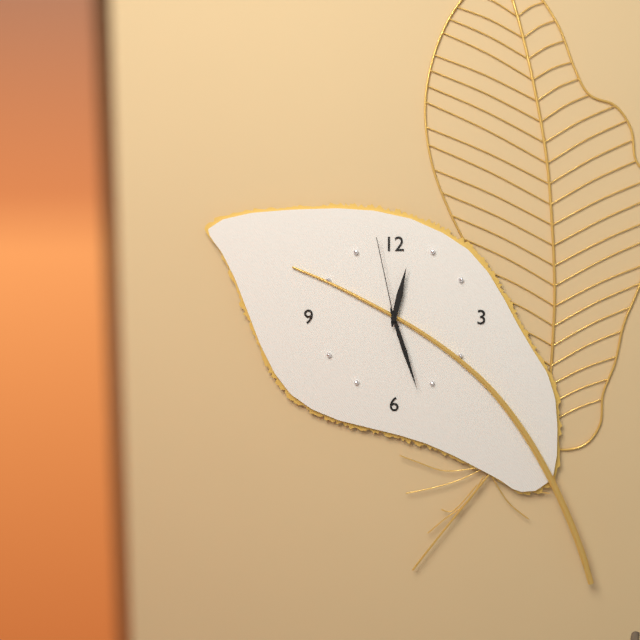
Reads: 12 h 27 min 58 s
